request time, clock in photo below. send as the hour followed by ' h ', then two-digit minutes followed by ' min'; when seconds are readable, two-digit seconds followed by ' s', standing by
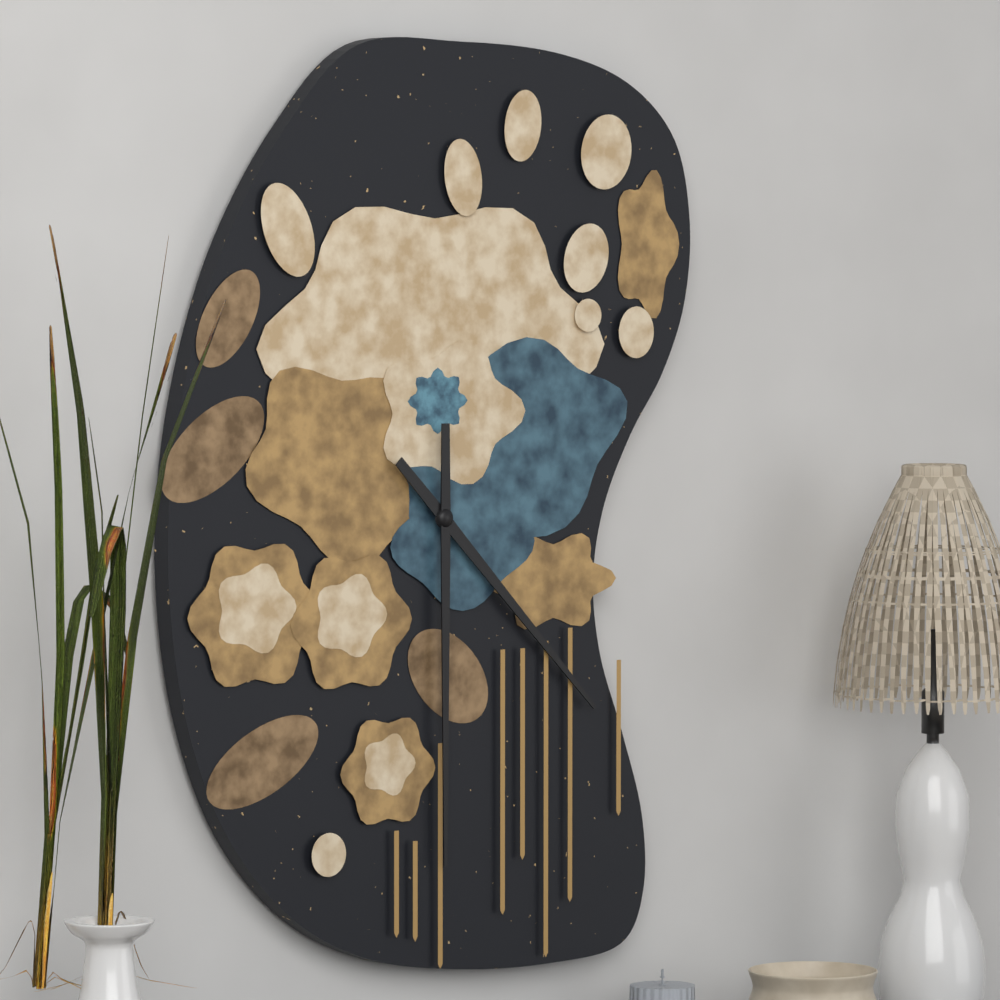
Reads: 4 h 30 min
